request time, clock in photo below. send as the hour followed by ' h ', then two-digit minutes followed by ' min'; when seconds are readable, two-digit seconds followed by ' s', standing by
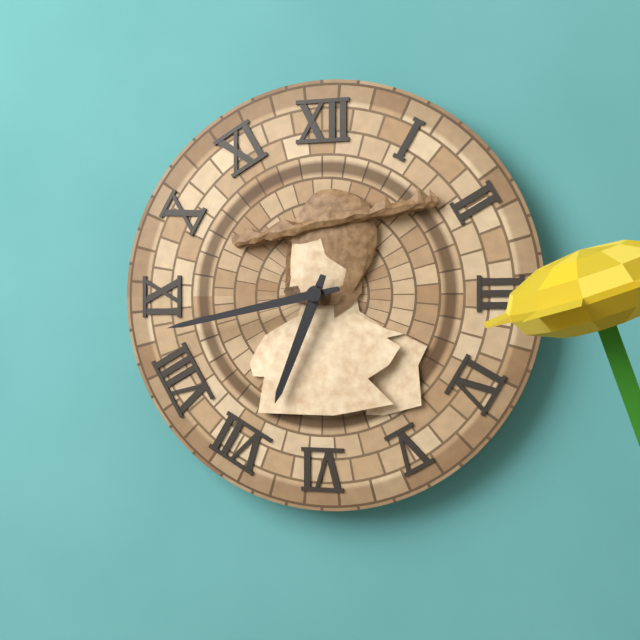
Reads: 6 h 43 min
